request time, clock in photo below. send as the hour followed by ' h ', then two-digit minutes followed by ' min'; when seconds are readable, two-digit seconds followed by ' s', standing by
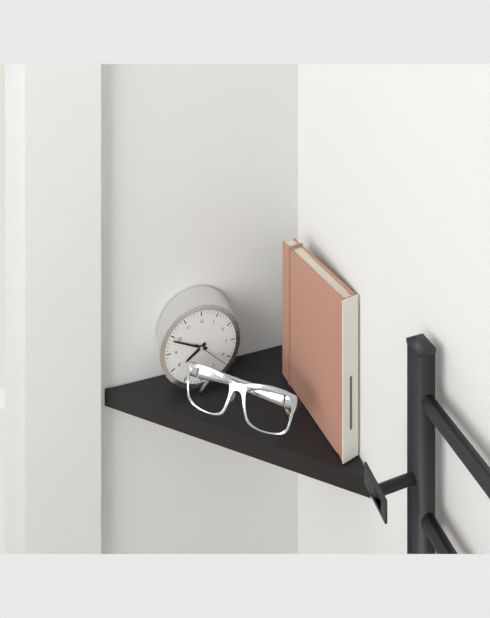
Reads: 7 h 49 min
